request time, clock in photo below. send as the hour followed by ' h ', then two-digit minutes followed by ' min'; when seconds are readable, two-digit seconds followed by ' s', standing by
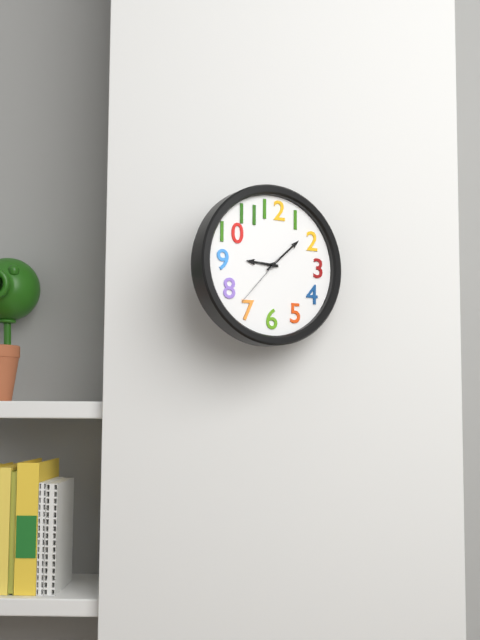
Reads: 9 h 08 min 37 s
